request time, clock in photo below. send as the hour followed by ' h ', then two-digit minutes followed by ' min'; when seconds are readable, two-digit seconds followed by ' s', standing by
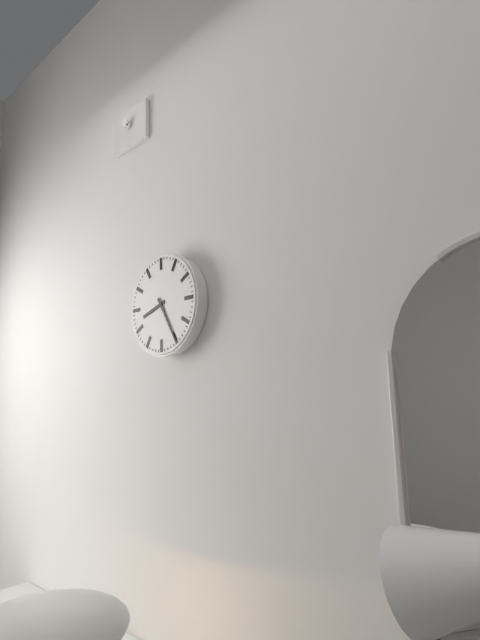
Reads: 8 h 25 min
